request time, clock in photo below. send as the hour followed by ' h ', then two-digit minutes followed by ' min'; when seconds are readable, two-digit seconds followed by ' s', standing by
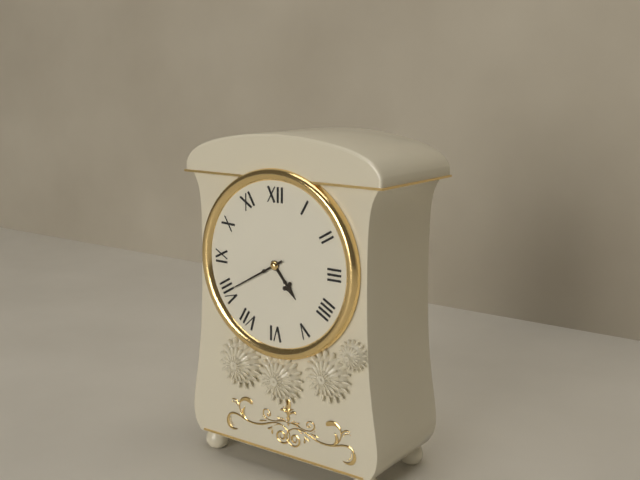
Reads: 4 h 40 min
